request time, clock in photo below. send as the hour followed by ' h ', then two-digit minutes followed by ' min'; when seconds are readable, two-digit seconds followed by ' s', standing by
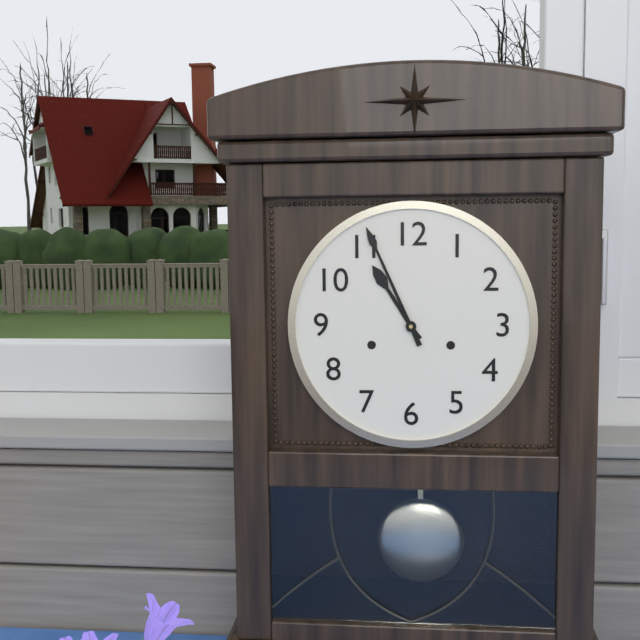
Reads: 10 h 56 min
